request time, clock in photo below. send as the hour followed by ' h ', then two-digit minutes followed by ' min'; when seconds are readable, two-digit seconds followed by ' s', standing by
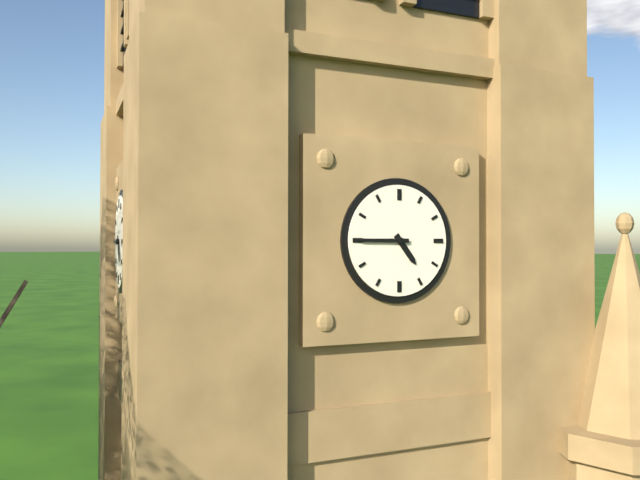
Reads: 4 h 45 min
